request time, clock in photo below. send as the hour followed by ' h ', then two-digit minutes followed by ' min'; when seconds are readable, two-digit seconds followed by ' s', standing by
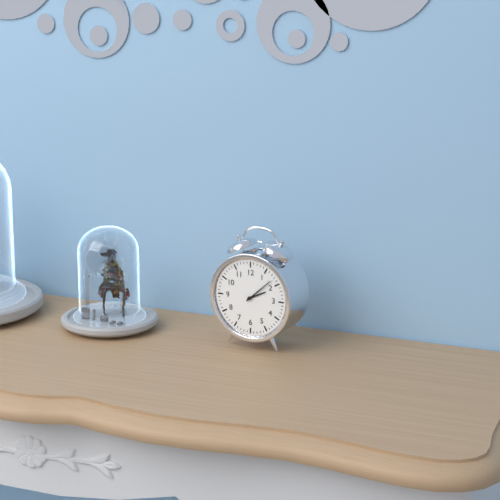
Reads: 2 h 08 min
